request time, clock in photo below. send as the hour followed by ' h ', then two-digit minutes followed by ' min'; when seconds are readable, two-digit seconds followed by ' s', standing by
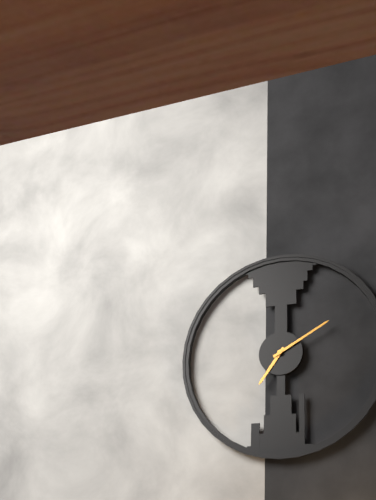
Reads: 7 h 10 min
